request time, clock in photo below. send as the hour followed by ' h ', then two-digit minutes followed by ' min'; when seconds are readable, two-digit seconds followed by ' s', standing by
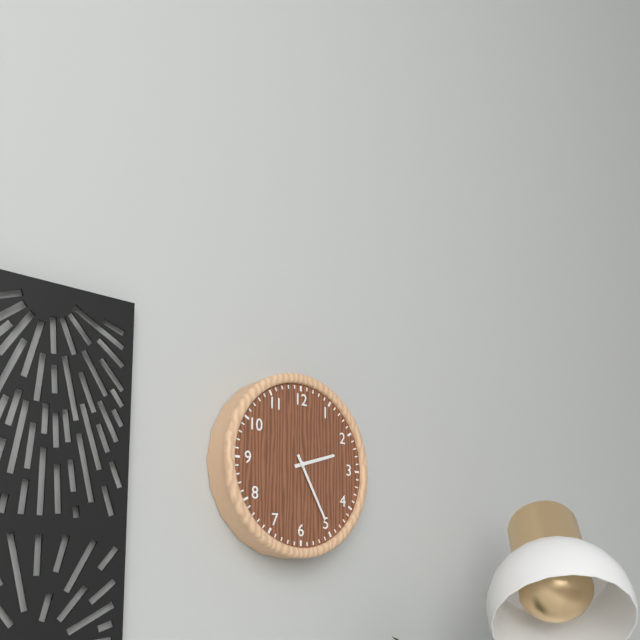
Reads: 2 h 25 min
